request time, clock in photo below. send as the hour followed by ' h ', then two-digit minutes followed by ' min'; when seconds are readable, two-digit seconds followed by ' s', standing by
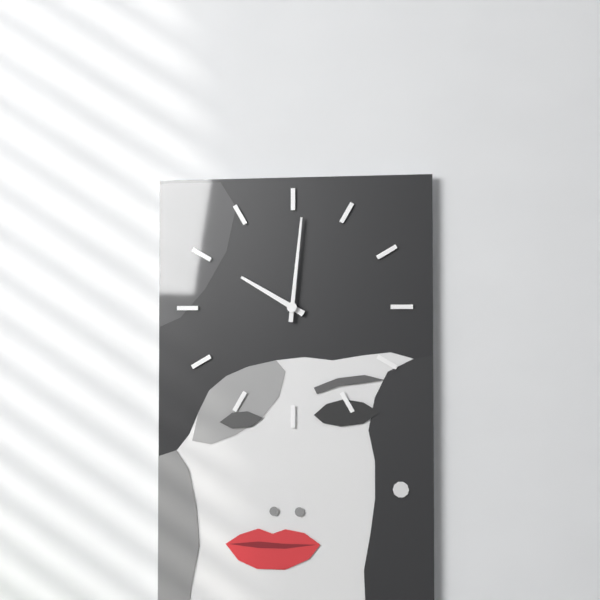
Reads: 10 h 01 min
